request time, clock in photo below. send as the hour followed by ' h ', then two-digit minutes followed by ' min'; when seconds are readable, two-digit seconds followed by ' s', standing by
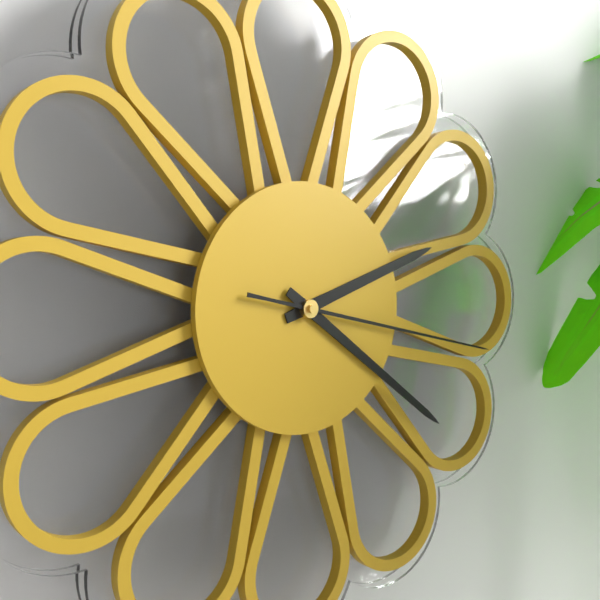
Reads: 2 h 21 min 17 s
